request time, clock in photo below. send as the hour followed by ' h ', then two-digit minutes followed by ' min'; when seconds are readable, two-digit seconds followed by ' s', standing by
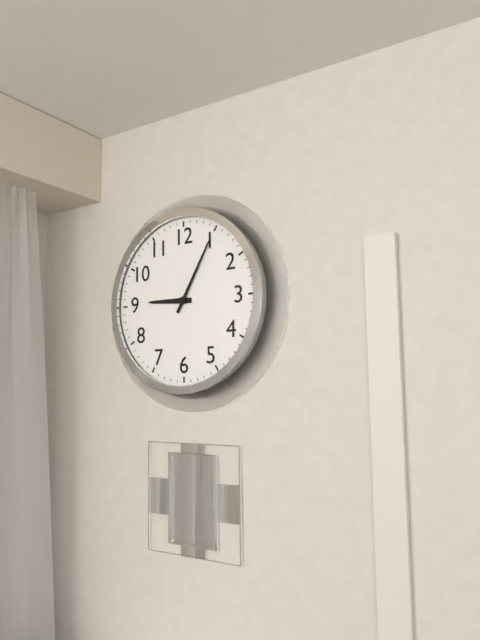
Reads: 9 h 05 min
